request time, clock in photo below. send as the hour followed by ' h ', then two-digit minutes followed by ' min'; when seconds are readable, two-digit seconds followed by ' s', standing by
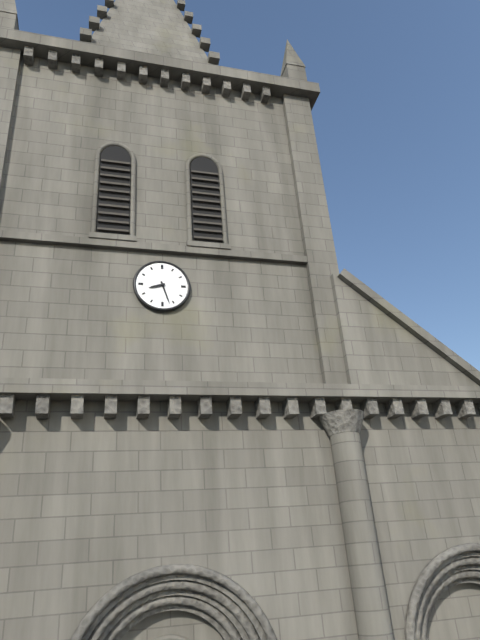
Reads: 8 h 27 min
